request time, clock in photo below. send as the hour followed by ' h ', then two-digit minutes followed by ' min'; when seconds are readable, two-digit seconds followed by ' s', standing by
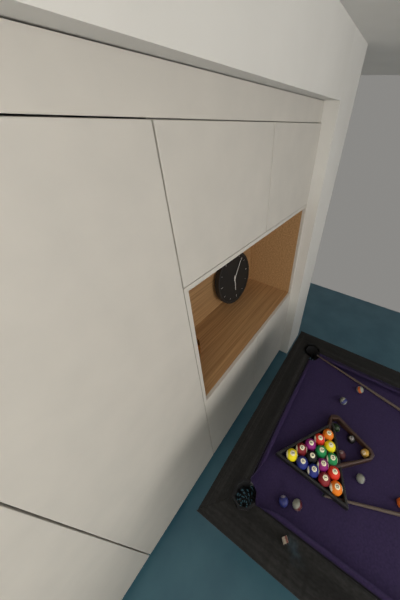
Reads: 6 h 07 min
